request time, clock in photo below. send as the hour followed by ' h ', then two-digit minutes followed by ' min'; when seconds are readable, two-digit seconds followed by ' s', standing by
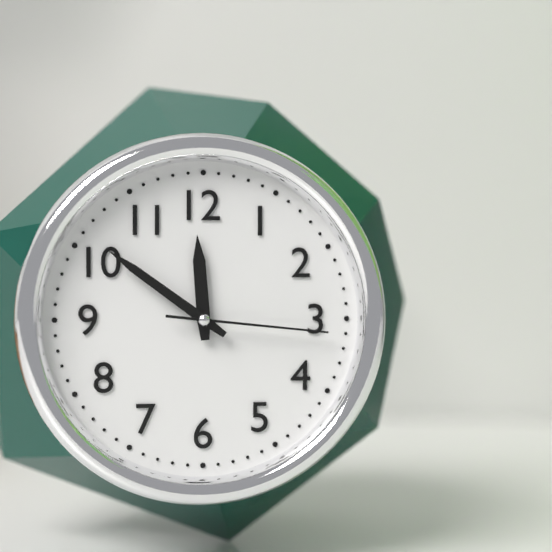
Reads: 11 h 51 min 16 s
